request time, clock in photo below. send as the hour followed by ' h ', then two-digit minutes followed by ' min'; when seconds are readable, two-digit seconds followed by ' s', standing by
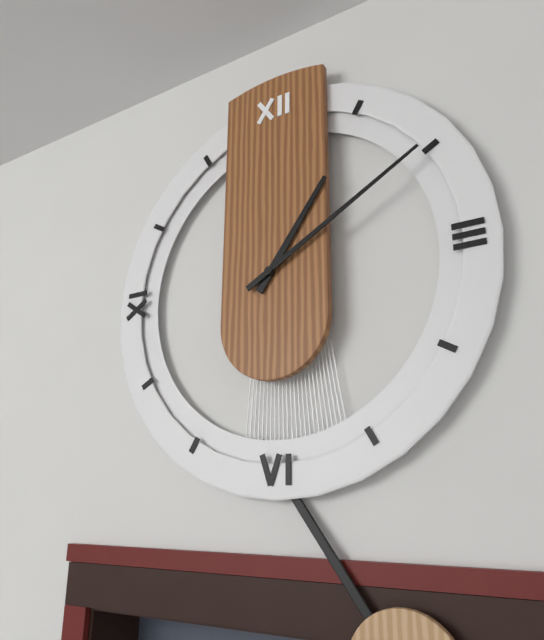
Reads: 1 h 10 min
